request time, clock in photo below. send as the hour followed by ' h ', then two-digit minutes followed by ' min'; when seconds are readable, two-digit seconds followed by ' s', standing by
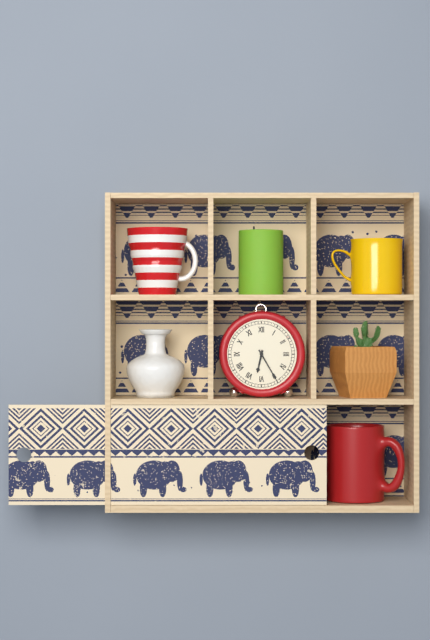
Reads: 6 h 25 min
